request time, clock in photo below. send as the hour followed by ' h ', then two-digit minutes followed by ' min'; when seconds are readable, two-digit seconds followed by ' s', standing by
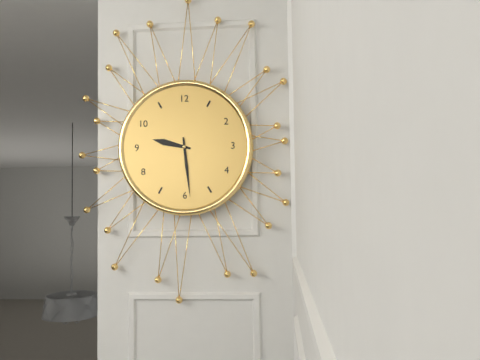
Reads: 9 h 29 min
